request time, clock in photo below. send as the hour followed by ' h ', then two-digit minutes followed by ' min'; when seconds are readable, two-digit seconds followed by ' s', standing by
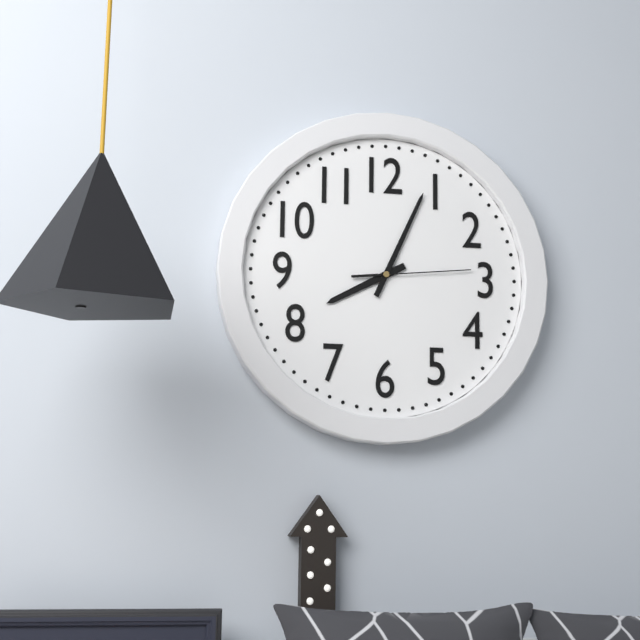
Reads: 8 h 04 min 14 s
